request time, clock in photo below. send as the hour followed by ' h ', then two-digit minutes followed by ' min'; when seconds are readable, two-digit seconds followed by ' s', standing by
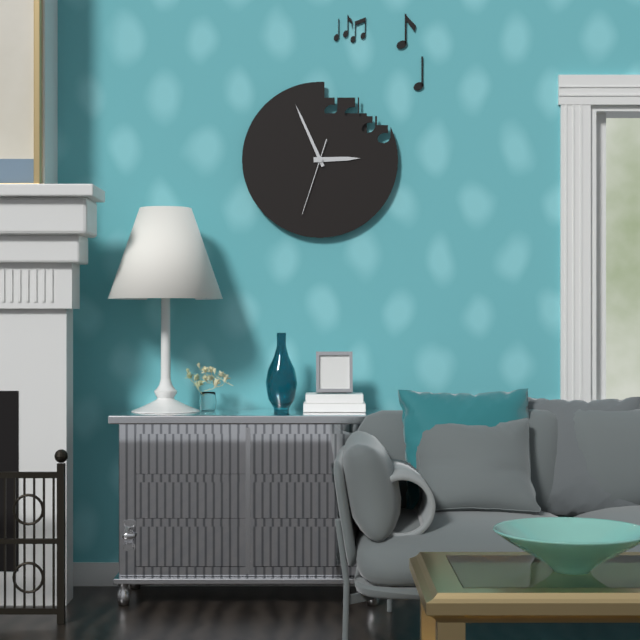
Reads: 2 h 56 min 33 s
